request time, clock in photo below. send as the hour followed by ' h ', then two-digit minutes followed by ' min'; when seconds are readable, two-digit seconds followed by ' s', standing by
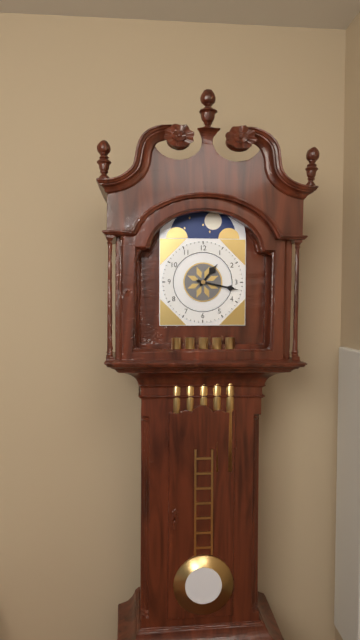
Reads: 1 h 17 min
